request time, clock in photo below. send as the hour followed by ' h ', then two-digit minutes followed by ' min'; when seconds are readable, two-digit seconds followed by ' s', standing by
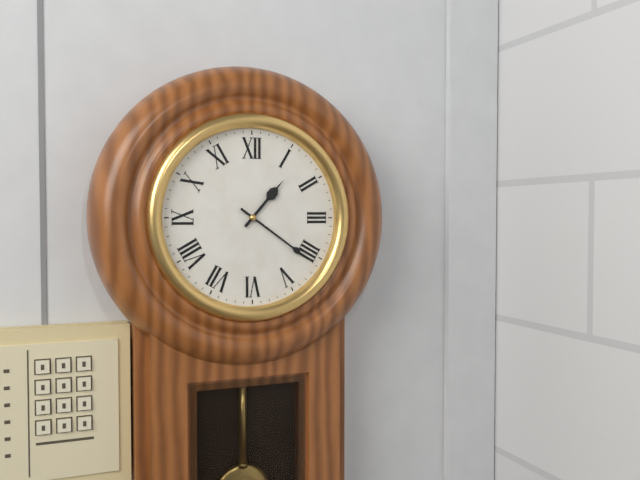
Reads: 1 h 21 min
